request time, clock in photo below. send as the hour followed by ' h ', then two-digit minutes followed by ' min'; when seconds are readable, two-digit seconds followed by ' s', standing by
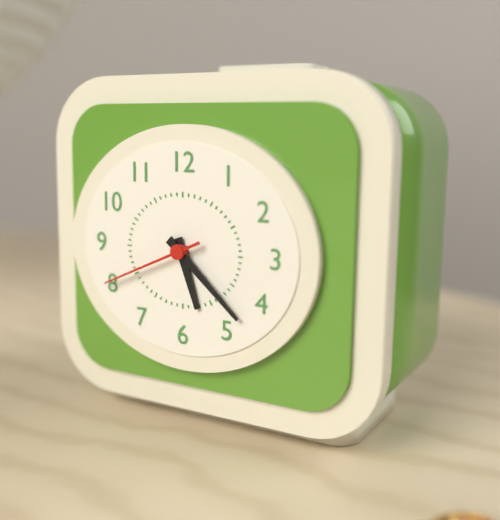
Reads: 5 h 22 min 41 s
